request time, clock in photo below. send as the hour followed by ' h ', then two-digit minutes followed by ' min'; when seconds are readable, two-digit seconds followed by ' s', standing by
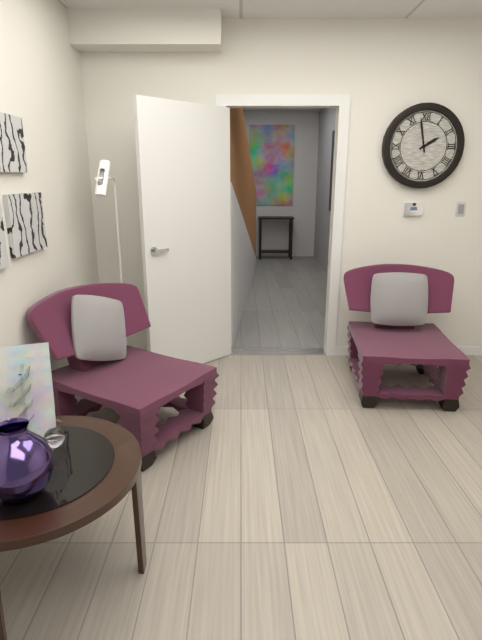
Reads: 1 h 58 min
